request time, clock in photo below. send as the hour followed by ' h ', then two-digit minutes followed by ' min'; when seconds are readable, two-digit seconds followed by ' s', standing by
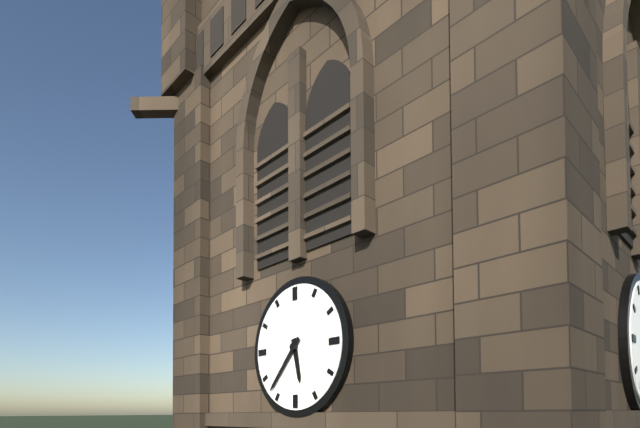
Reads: 5 h 37 min
